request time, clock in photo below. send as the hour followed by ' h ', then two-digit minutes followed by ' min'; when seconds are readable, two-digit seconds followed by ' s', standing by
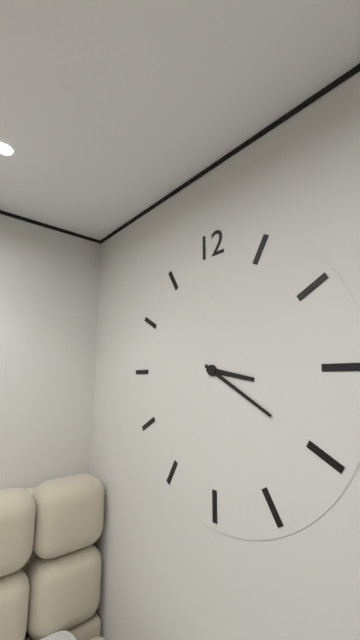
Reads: 3 h 20 min
